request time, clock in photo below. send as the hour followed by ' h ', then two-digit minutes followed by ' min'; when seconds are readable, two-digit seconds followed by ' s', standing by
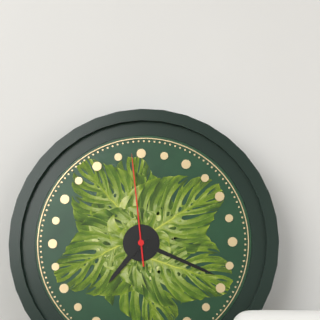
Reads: 7 h 19 min 59 s
